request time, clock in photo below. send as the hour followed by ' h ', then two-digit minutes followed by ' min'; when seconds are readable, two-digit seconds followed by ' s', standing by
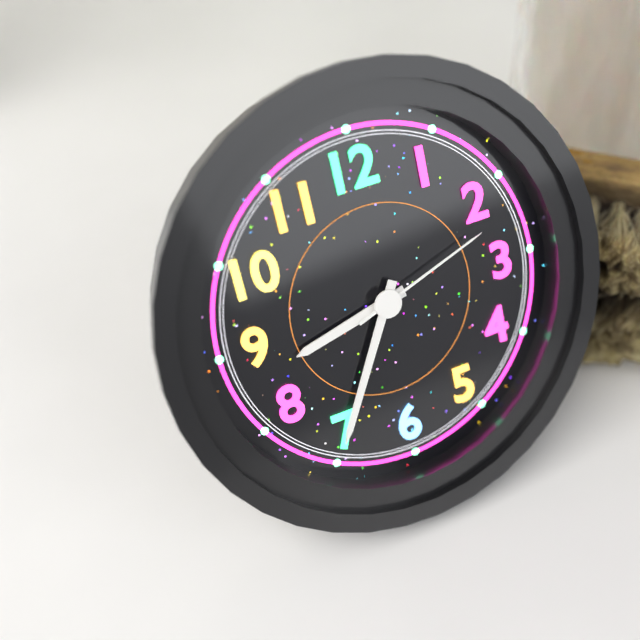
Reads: 8 h 35 min 12 s
